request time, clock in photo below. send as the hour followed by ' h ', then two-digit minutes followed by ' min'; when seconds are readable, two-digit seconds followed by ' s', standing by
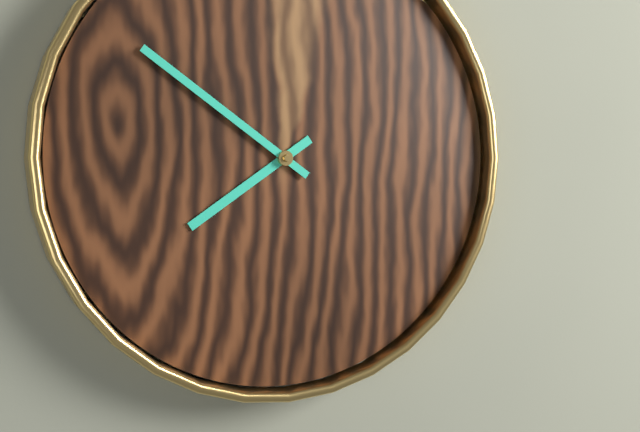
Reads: 7 h 51 min
